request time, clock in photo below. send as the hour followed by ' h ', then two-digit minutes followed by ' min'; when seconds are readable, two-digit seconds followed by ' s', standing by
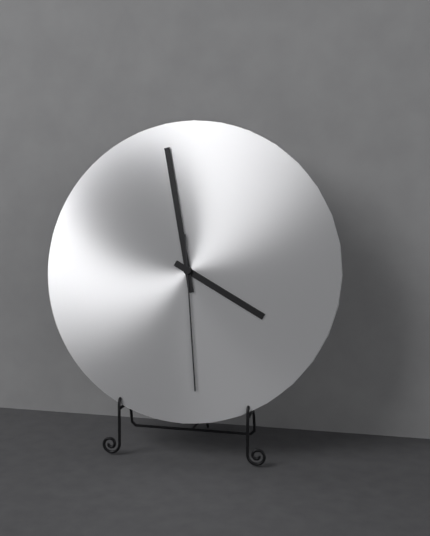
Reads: 3 h 58 min 29 s
